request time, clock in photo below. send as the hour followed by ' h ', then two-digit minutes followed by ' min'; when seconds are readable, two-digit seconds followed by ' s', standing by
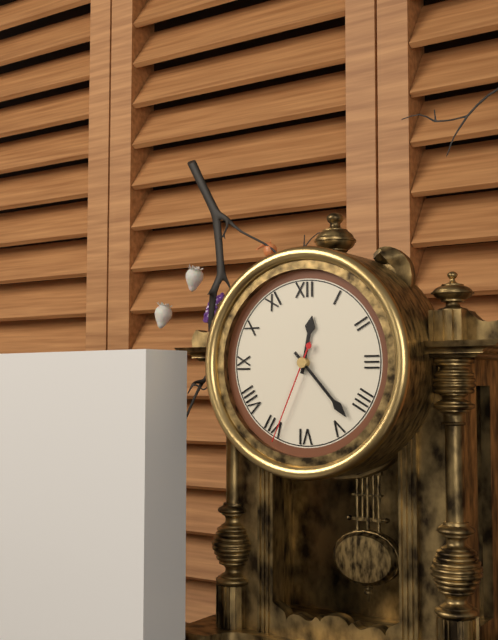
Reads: 12 h 23 min 34 s
